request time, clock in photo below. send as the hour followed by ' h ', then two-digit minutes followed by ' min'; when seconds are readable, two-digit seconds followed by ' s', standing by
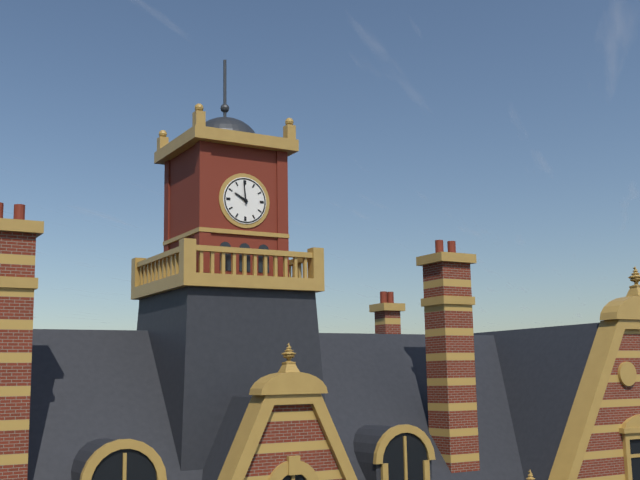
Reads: 9 h 59 min
